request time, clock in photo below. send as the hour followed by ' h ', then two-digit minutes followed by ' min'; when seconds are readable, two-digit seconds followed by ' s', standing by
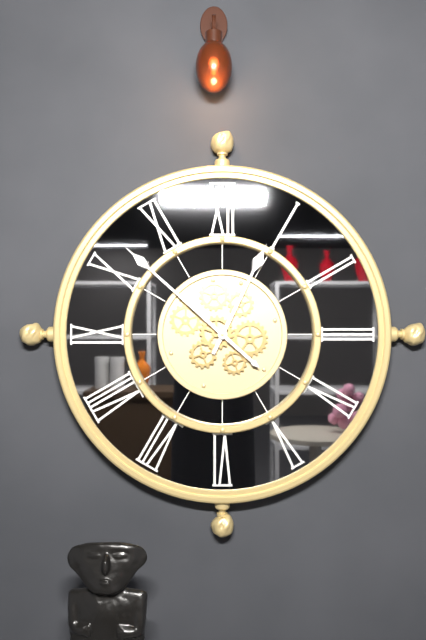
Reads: 12 h 52 min
